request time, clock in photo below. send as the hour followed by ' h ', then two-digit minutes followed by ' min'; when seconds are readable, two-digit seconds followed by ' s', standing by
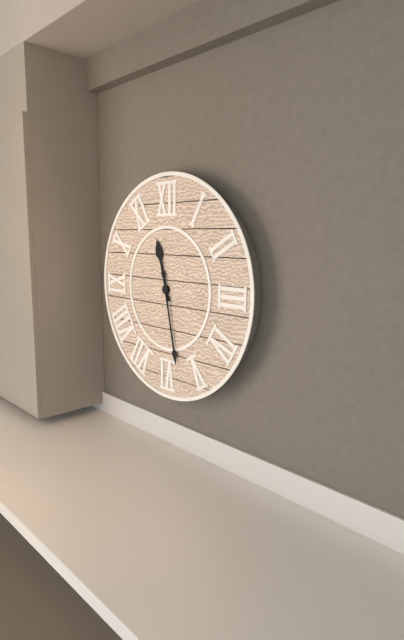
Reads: 11 h 28 min
